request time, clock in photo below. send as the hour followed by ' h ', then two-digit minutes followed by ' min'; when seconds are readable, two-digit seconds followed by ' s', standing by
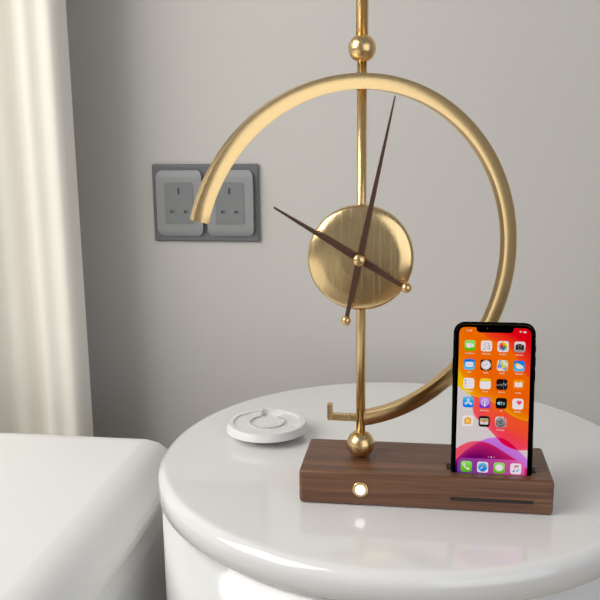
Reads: 10 h 02 min
